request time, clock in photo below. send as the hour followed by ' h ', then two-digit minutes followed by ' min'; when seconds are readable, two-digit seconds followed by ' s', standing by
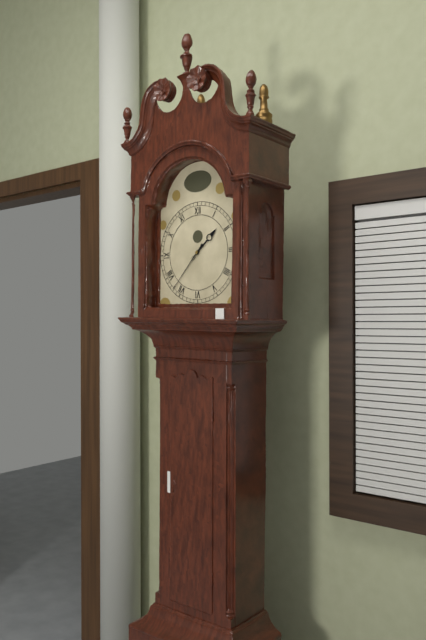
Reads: 1 h 37 min
